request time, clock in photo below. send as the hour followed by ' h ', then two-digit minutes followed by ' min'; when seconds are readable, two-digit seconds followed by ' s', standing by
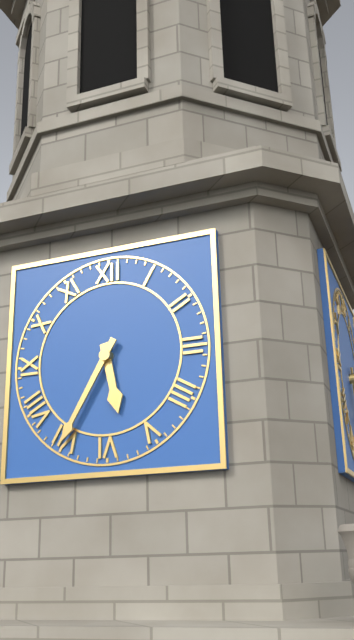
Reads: 5 h 35 min
